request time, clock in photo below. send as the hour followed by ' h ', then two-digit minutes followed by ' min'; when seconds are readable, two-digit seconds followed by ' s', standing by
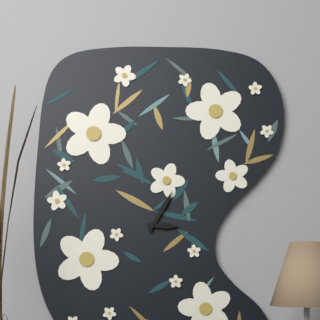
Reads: 3 h 05 min
